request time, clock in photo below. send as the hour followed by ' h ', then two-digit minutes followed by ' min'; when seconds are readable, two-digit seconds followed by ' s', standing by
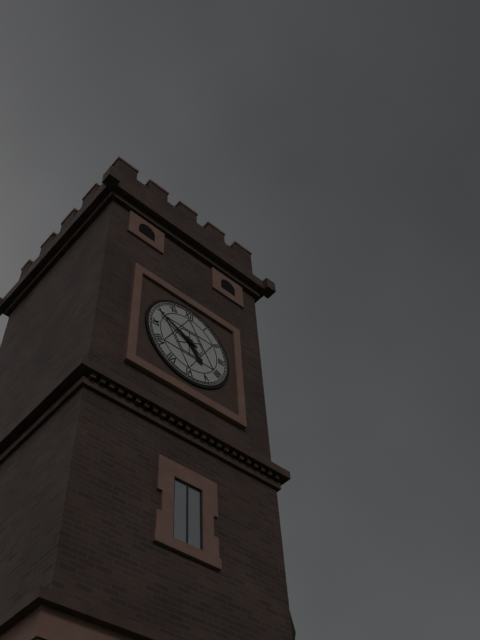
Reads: 4 h 49 min
